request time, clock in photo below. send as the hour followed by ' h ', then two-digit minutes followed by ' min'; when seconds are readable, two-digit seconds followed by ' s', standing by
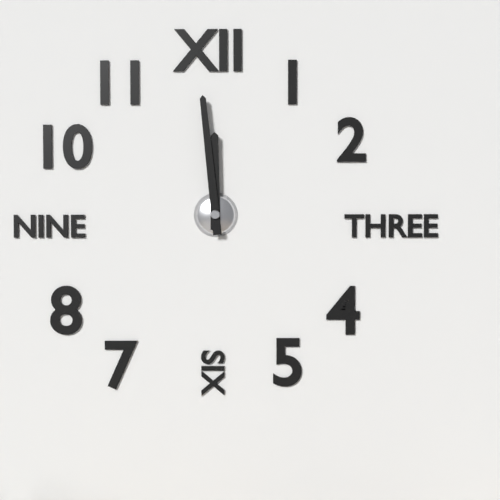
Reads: 11 h 59 min
